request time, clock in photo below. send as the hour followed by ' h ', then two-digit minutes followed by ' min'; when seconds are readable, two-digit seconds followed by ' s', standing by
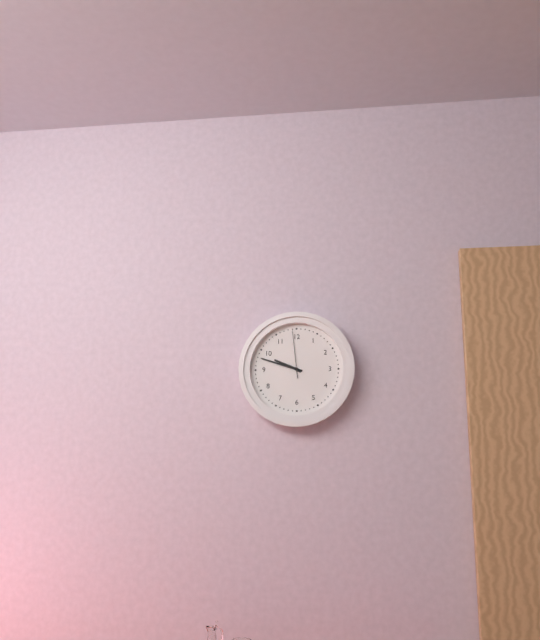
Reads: 9 h 48 min
